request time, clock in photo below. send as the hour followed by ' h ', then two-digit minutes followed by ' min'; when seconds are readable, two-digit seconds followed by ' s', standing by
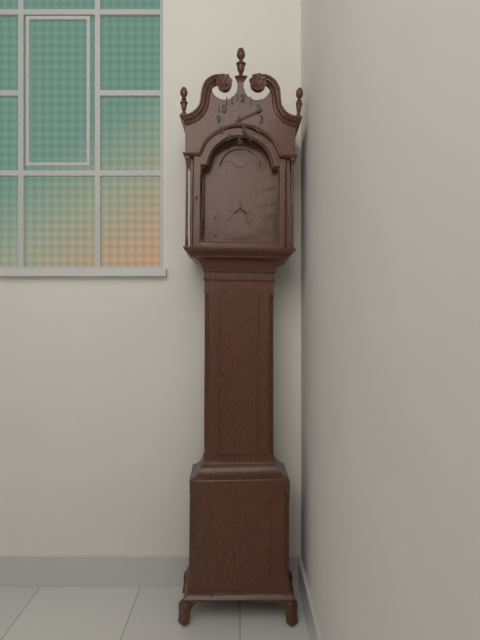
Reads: 5 h 11 min
